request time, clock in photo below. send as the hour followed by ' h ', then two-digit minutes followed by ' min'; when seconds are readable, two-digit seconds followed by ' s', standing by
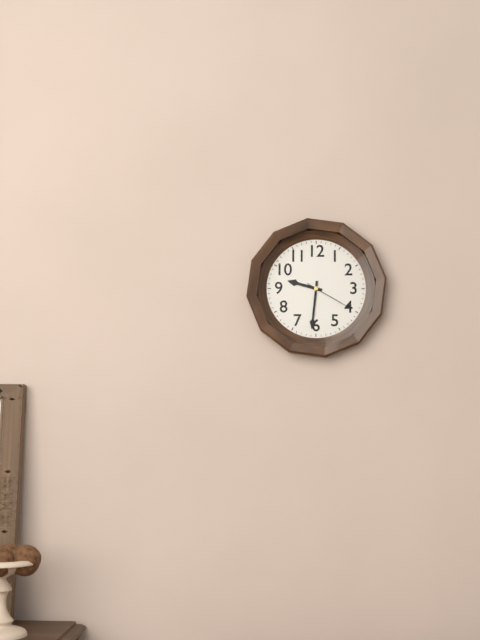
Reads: 9 h 31 min 20 s
